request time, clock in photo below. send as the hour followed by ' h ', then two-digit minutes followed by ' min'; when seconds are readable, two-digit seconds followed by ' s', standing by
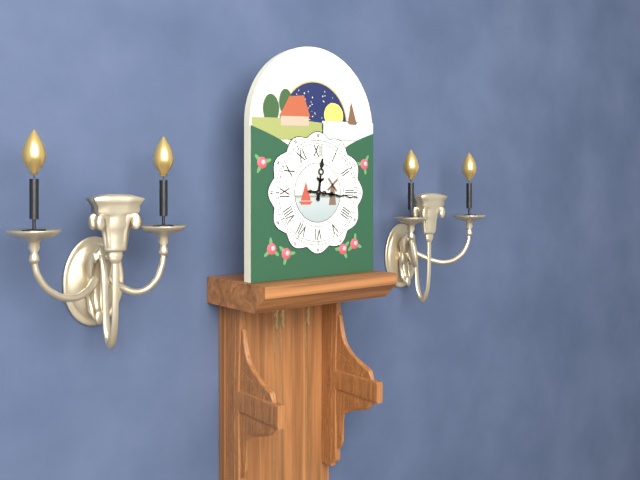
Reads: 12 h 16 min
